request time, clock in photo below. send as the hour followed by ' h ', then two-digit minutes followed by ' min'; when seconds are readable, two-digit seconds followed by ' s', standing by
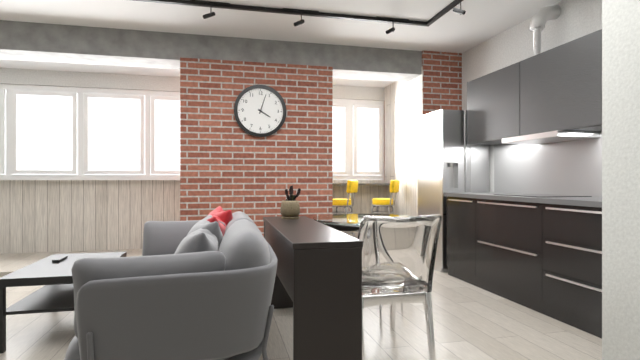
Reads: 4 h 03 min
